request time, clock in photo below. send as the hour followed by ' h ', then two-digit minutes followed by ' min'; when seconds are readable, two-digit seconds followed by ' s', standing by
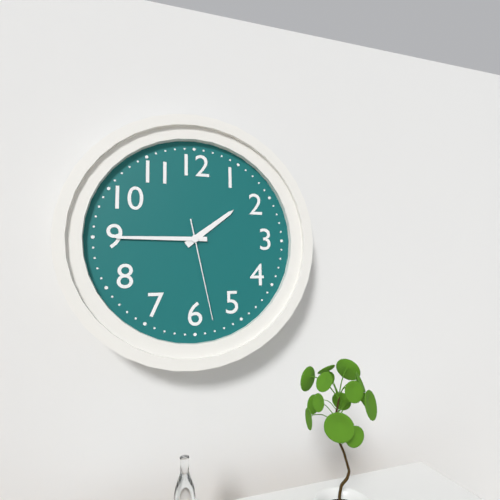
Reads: 1 h 45 min 28 s
